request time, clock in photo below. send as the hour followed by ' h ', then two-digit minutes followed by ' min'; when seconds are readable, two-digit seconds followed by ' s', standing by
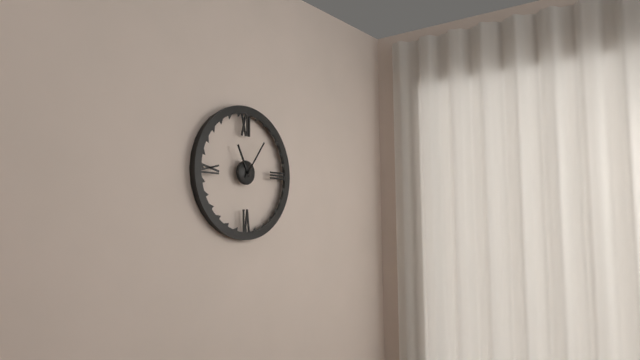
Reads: 11 h 06 min
